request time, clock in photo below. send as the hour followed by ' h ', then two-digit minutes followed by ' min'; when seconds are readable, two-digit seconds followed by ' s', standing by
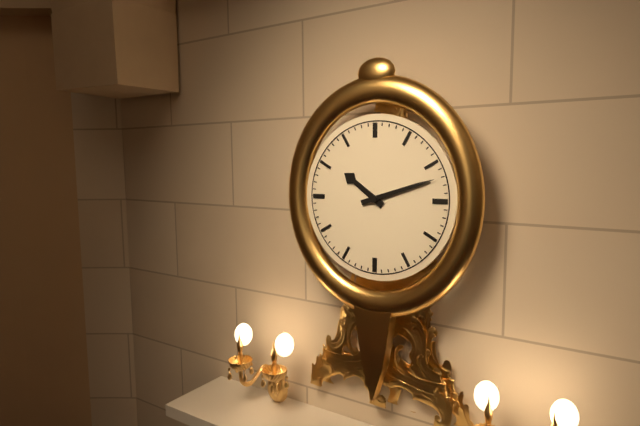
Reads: 10 h 12 min
